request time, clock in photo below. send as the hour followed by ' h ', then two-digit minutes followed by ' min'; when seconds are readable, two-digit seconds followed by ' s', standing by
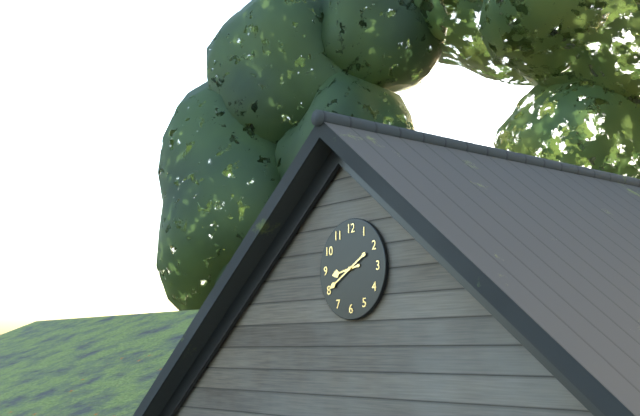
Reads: 8 h 40 min
